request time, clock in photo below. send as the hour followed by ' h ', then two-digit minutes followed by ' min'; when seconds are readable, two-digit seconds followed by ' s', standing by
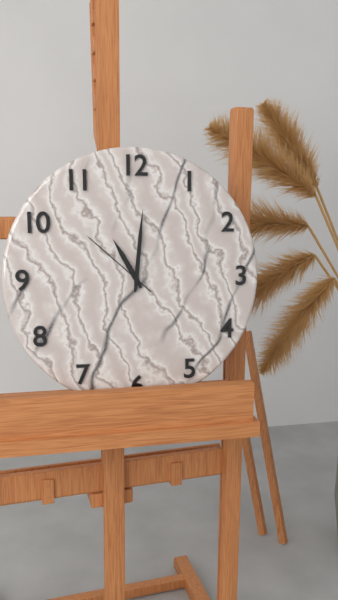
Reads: 11 h 01 min 52 s
